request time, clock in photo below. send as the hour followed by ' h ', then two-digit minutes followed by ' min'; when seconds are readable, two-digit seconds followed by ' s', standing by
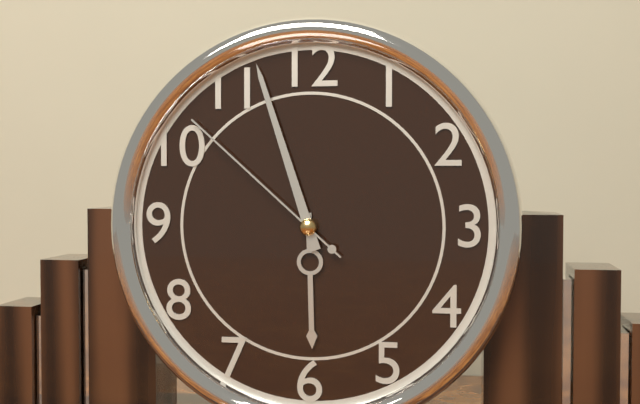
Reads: 5 h 57 min 52 s
